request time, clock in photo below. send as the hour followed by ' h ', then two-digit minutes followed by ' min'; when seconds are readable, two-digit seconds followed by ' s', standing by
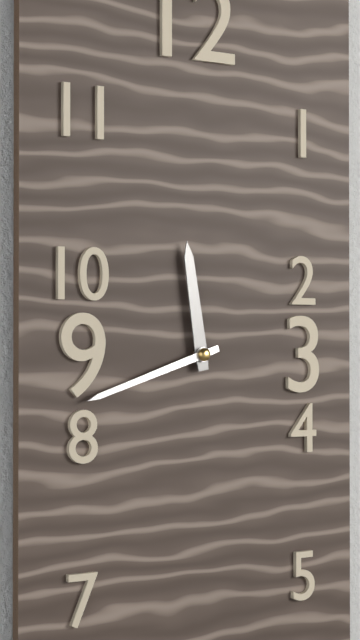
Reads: 11 h 42 min
